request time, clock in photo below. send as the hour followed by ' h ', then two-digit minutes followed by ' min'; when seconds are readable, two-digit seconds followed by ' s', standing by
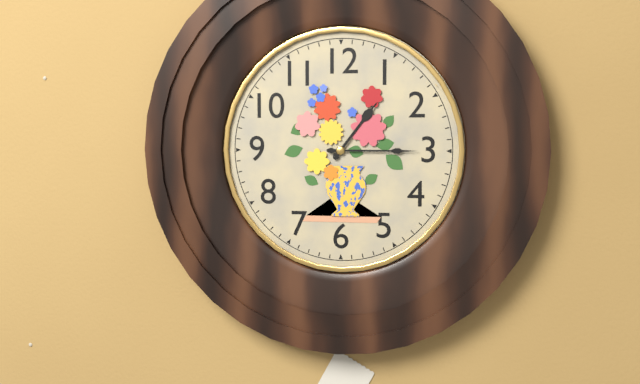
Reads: 1 h 15 min
